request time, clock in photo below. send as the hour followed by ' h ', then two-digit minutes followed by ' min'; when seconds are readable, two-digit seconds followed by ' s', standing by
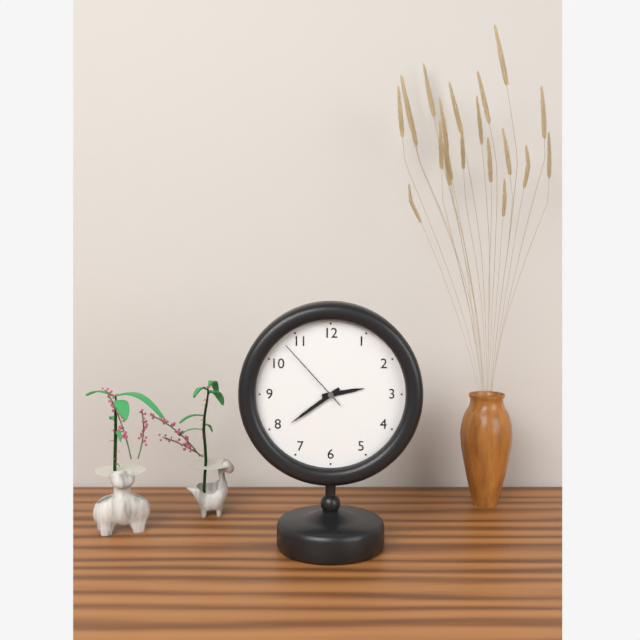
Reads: 2 h 39 min 53 s
